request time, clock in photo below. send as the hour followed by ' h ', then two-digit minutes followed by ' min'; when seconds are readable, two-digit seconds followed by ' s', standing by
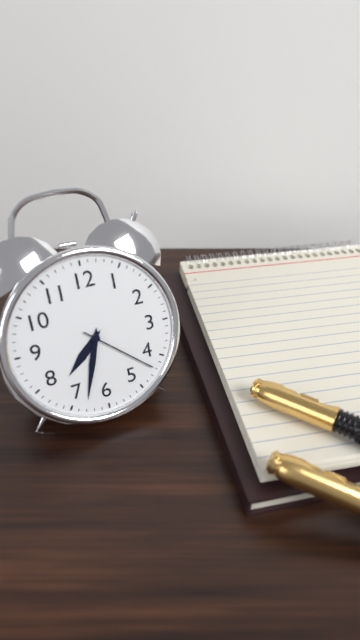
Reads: 7 h 33 min 22 s
